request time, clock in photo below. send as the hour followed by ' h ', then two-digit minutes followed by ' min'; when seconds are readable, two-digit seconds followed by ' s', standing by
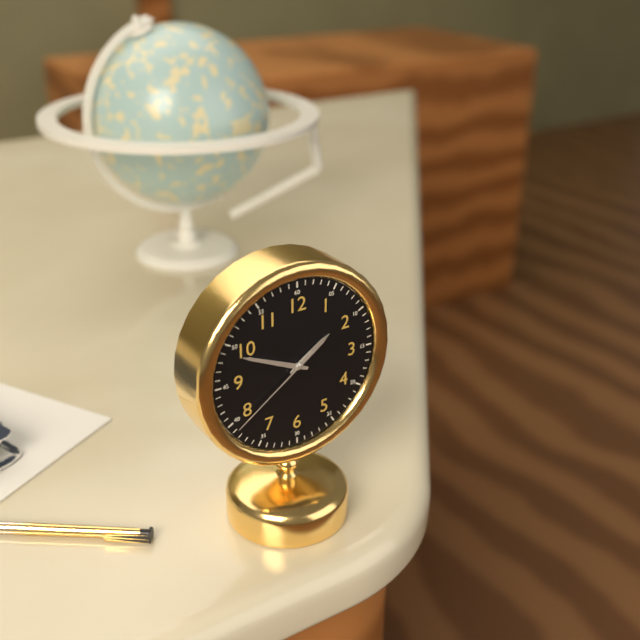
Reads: 1 h 49 min 39 s
